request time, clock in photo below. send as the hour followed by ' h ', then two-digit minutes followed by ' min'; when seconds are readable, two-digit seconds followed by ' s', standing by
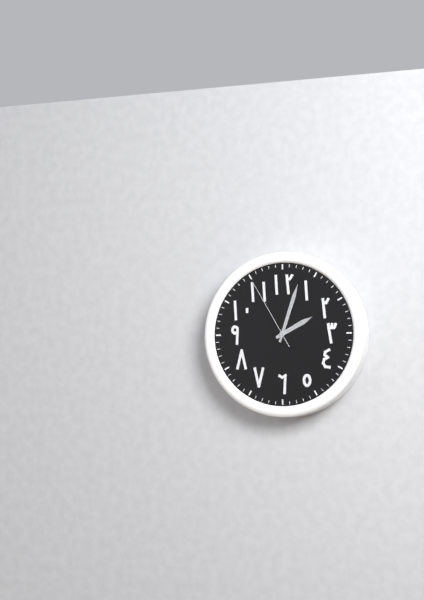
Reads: 2 h 03 min 55 s
